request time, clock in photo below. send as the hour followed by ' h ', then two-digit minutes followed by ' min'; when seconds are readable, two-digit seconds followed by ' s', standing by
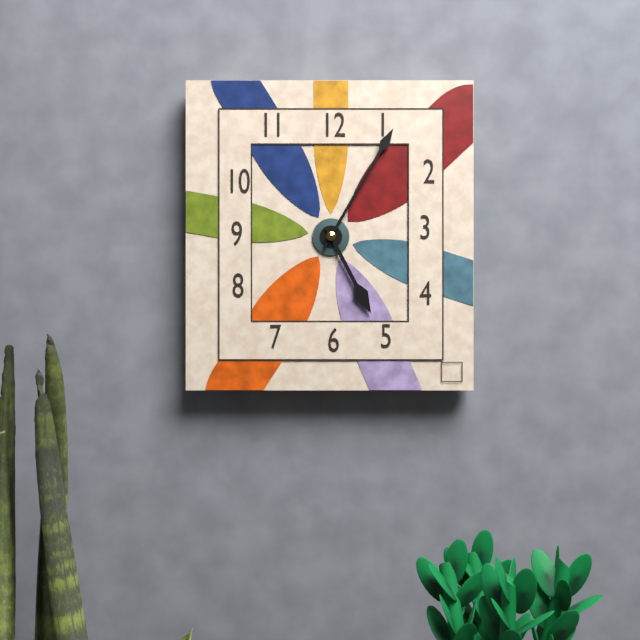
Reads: 5 h 05 min
